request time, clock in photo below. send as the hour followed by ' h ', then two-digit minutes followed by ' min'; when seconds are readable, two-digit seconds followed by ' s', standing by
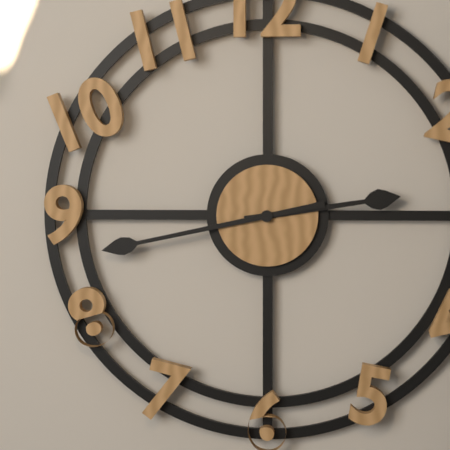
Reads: 2 h 43 min
